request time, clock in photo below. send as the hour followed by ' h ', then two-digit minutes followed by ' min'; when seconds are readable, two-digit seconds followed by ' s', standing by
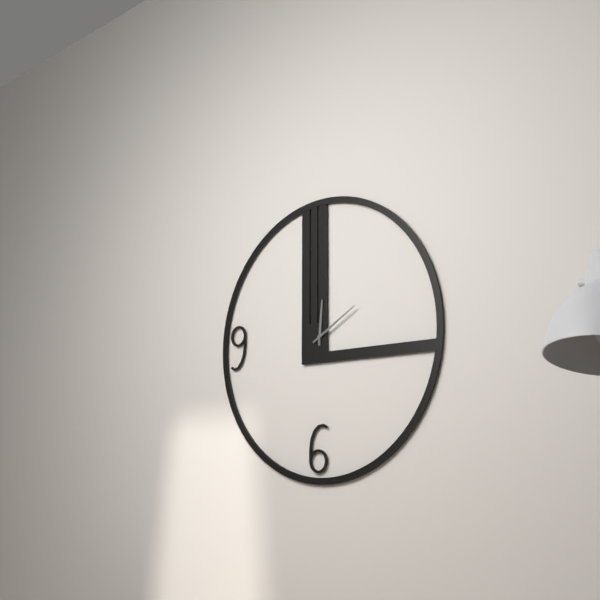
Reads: 12 h 10 min
